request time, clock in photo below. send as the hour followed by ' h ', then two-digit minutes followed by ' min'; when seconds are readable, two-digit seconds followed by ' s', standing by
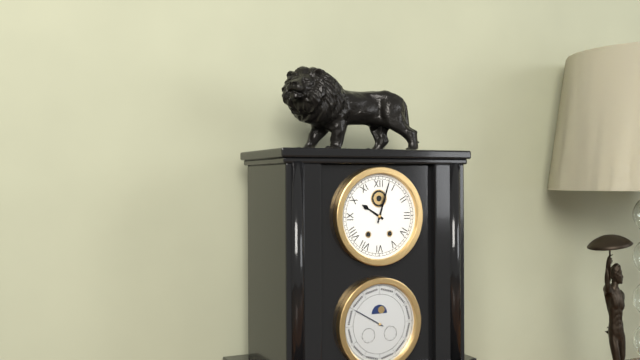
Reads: 10 h 03 min
